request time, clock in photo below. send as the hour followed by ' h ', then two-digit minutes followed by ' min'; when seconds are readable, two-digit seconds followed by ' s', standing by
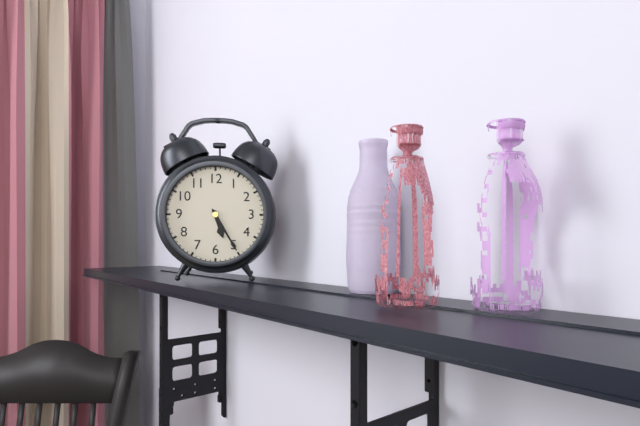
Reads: 5 h 25 min
